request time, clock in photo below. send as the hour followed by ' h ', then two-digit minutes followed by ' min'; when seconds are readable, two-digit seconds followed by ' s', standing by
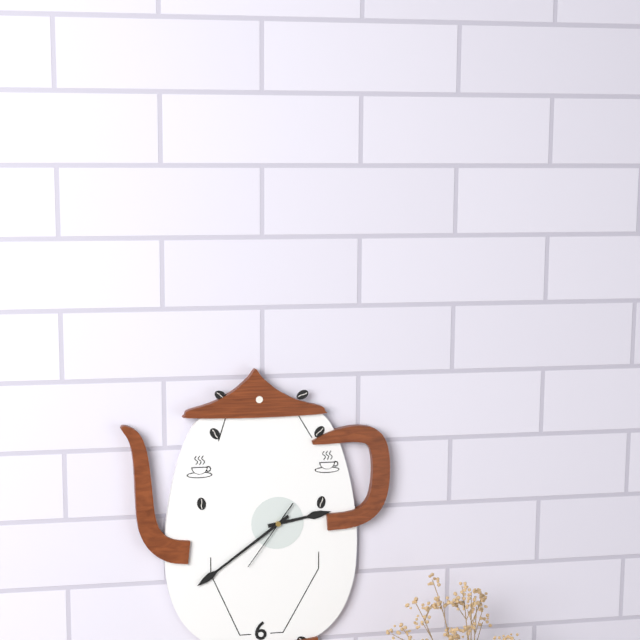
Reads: 2 h 39 min 36 s
